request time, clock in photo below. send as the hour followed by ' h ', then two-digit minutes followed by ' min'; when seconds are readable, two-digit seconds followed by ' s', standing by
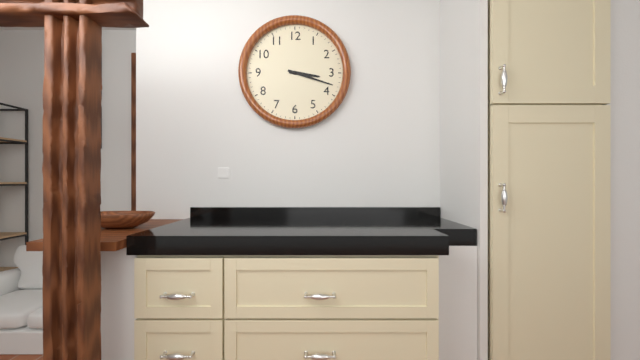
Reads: 3 h 18 min
